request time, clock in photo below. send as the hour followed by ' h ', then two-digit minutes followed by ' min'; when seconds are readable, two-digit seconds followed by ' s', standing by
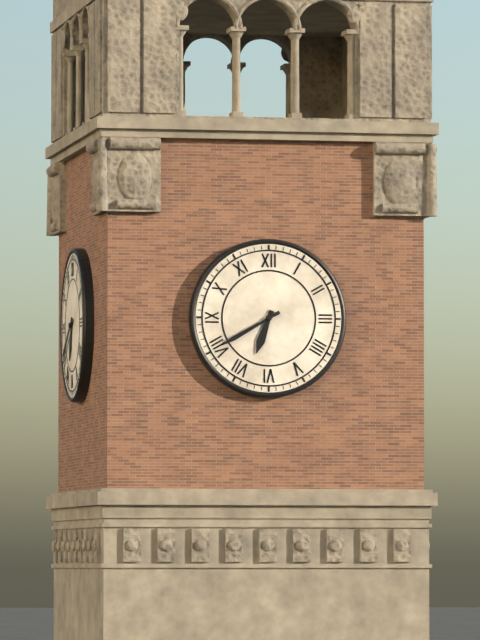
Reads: 6 h 40 min
